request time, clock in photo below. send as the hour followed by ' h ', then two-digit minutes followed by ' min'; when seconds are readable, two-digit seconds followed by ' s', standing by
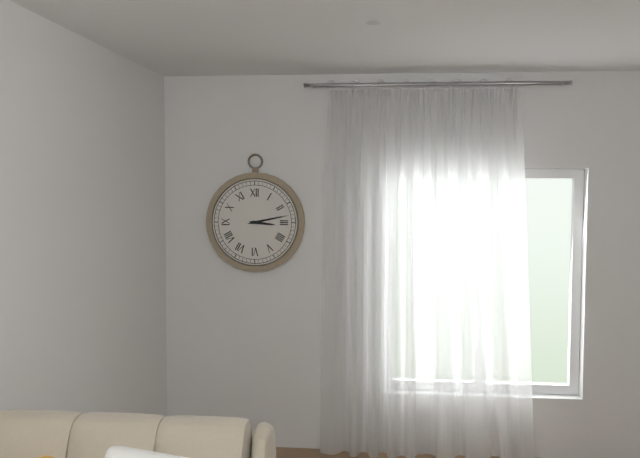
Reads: 3 h 13 min
